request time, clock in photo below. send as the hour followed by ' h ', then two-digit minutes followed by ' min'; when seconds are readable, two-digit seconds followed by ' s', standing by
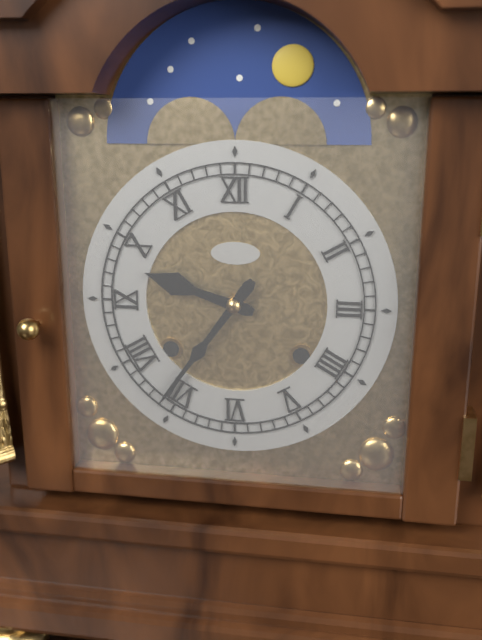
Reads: 9 h 36 min
